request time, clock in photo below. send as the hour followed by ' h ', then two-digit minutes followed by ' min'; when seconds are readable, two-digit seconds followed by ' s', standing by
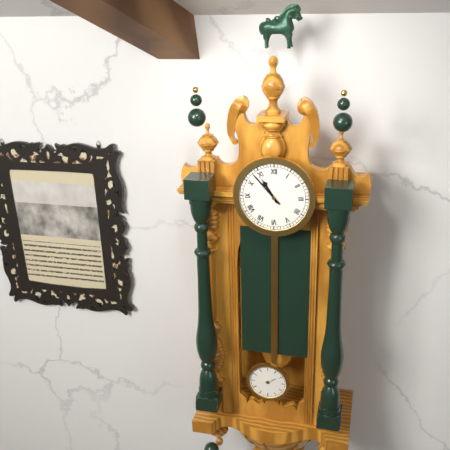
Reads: 10 h 53 min
